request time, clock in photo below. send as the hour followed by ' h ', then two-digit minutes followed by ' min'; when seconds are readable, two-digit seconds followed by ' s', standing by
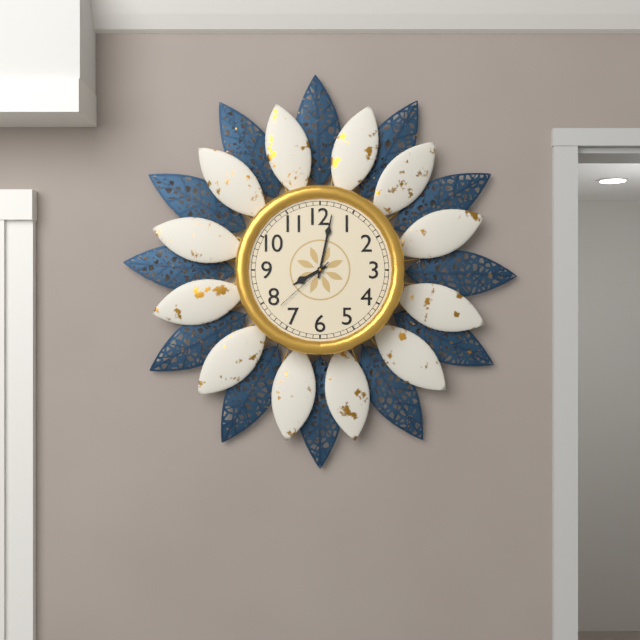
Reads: 8 h 02 min 38 s
